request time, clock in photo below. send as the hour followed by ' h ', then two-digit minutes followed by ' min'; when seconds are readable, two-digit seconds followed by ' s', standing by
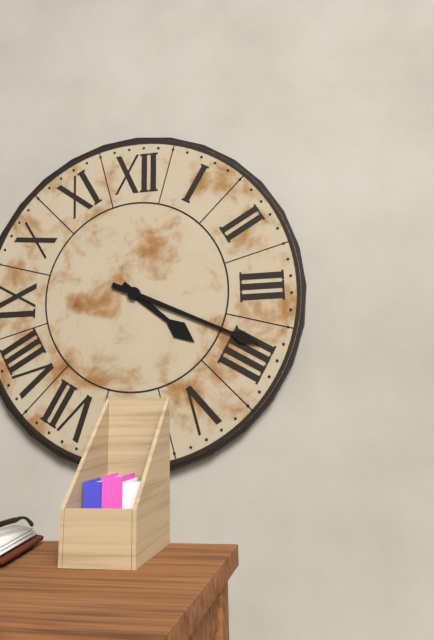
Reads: 4 h 19 min
